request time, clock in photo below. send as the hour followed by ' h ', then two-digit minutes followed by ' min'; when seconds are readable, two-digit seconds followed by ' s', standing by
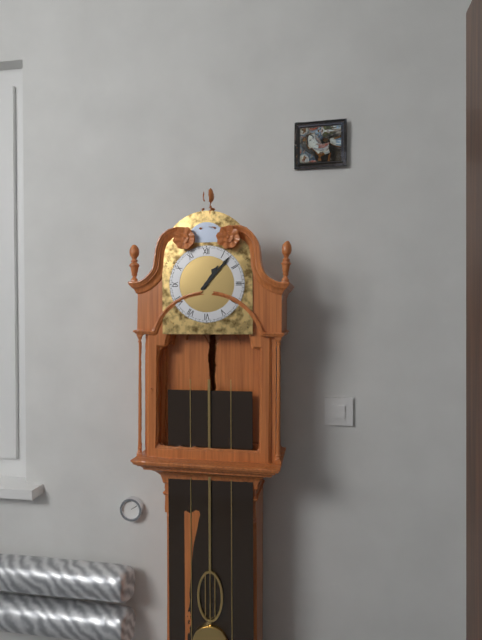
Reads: 1 h 07 min
